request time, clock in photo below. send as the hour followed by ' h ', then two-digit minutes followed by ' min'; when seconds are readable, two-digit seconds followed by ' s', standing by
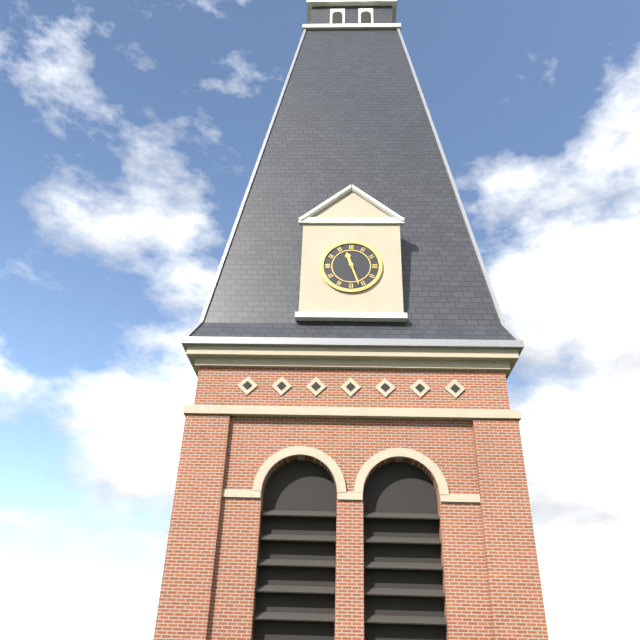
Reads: 11 h 27 min
